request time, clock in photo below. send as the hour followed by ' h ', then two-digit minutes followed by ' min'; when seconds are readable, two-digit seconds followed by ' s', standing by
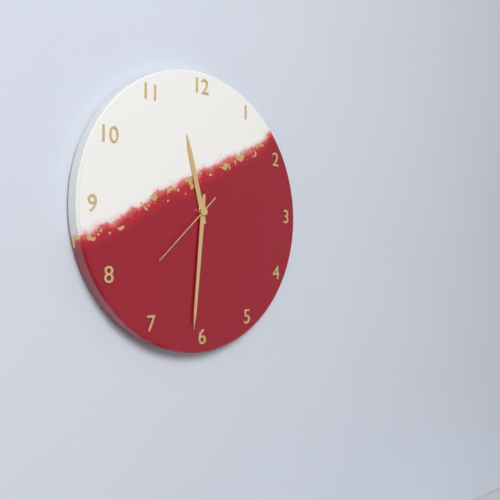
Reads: 11 h 31 min 38 s
